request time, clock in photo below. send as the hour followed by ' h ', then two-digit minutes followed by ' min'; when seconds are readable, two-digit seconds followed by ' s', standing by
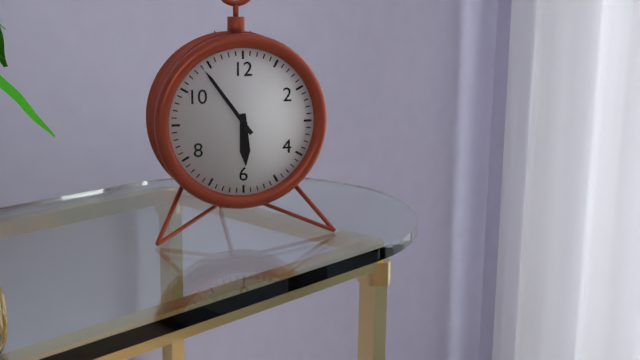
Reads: 5 h 54 min
